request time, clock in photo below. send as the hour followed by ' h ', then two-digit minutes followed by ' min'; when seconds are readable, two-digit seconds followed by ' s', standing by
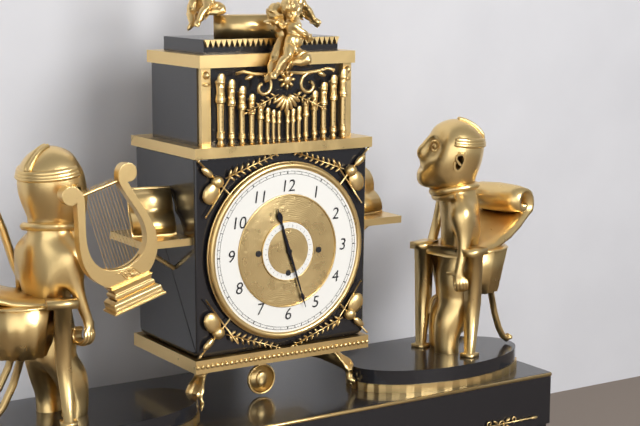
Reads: 11 h 27 min
